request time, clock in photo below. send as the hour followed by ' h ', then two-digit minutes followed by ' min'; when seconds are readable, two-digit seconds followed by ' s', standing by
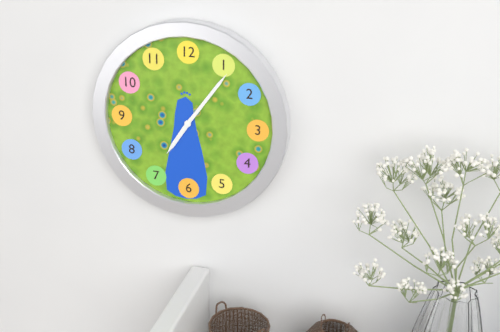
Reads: 7 h 06 min
